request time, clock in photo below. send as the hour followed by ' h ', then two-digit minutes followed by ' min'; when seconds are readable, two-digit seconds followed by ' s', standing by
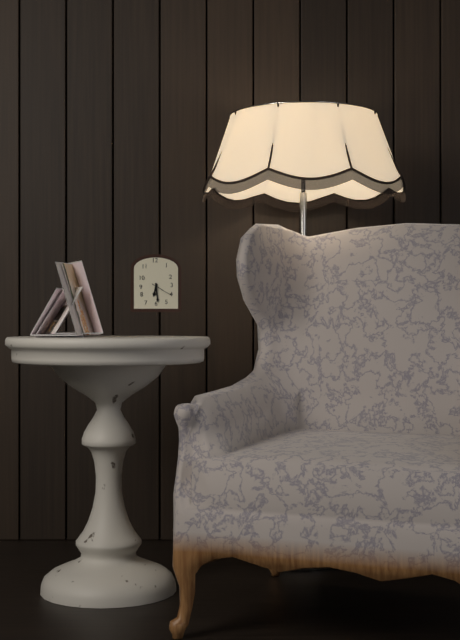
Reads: 6 h 29 min
